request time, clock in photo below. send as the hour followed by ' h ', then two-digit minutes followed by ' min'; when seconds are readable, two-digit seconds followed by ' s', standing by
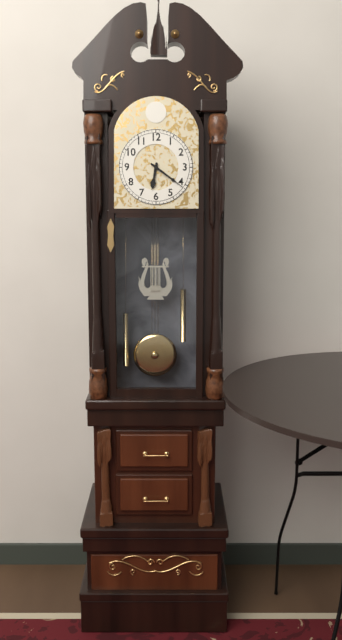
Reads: 6 h 21 min
